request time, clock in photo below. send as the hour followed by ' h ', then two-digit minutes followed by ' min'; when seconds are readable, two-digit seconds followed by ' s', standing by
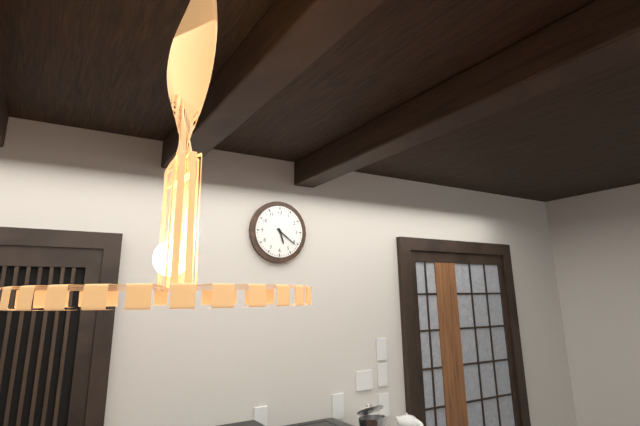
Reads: 5 h 21 min
